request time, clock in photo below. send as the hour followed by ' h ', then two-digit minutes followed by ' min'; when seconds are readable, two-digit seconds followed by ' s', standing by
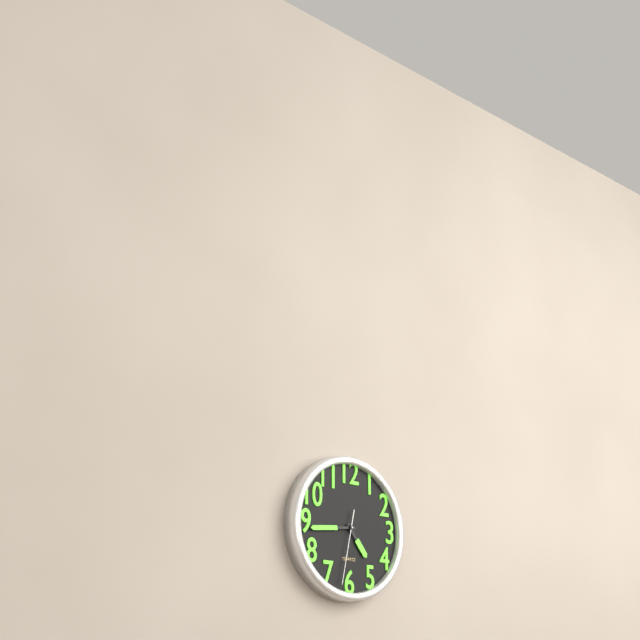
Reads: 4 h 44 min 32 s
